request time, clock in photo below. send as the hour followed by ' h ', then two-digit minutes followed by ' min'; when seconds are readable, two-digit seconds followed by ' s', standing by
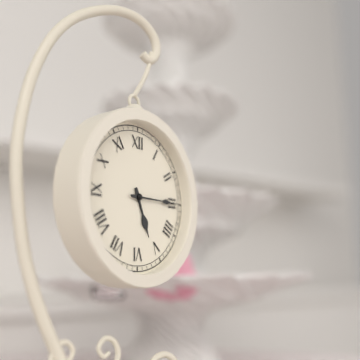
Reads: 5 h 15 min
